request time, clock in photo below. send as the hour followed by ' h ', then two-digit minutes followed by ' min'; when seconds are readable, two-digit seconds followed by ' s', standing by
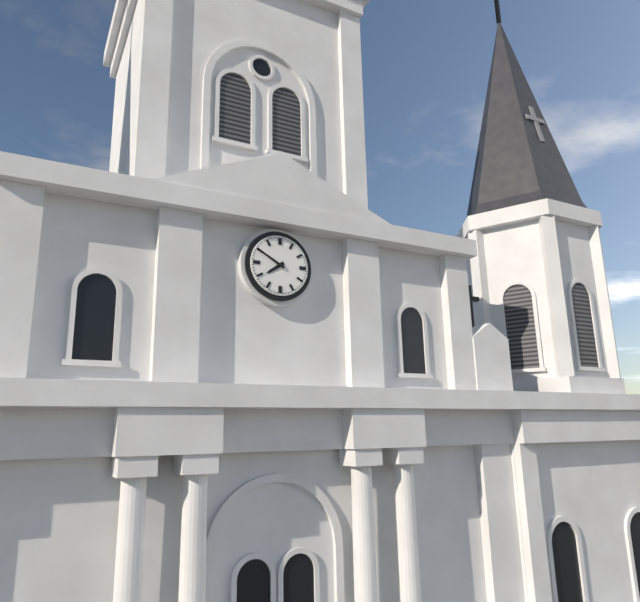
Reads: 7 h 50 min
